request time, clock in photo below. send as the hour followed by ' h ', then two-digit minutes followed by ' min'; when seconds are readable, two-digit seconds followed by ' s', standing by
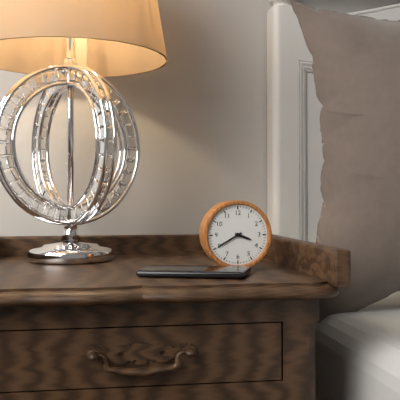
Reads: 3 h 40 min
